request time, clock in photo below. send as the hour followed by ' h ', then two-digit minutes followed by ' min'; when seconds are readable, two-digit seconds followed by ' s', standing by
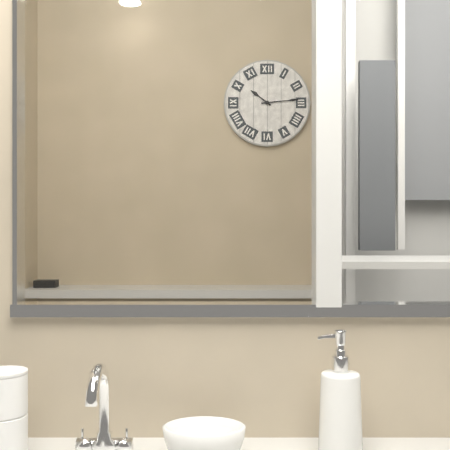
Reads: 10 h 14 min
